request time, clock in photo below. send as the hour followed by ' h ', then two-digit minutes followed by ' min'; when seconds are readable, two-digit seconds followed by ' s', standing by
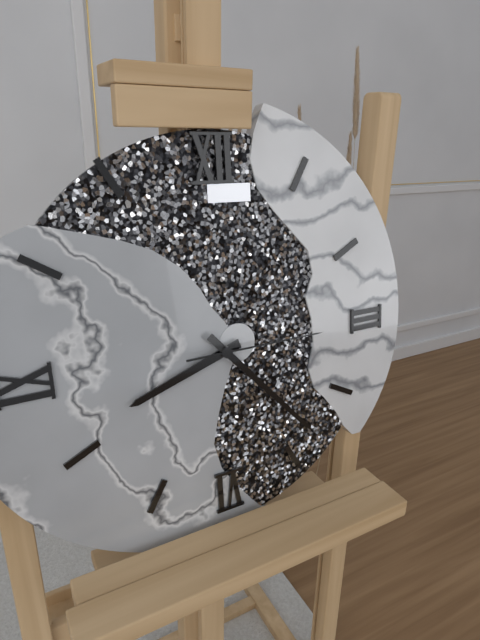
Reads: 8 h 23 min 15 s
